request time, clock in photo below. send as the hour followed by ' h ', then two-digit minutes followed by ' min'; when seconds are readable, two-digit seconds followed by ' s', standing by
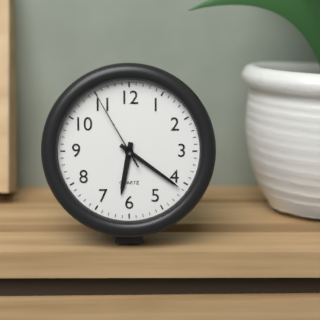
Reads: 6 h 21 min 55 s
